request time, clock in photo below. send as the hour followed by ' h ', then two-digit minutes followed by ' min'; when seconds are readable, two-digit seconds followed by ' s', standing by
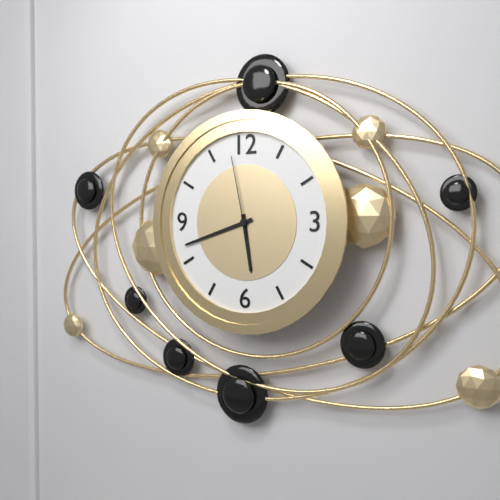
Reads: 5 h 42 min 58 s
